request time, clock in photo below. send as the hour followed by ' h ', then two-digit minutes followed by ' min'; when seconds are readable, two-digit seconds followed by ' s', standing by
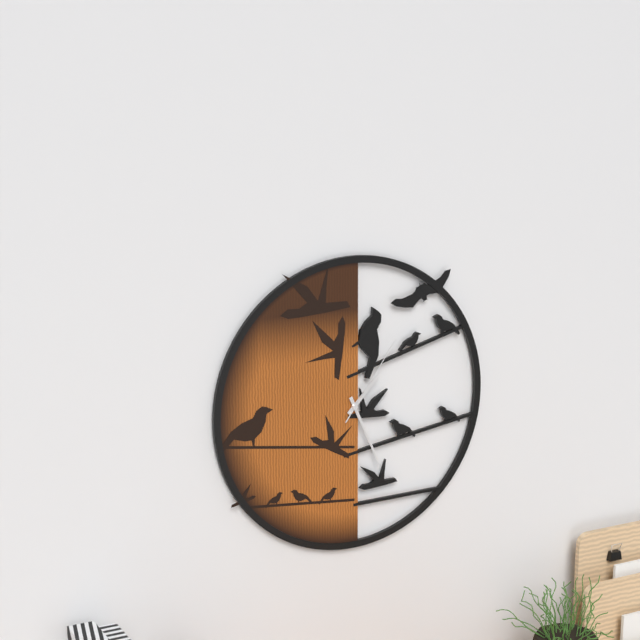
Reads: 1 h 26 min 06 s
